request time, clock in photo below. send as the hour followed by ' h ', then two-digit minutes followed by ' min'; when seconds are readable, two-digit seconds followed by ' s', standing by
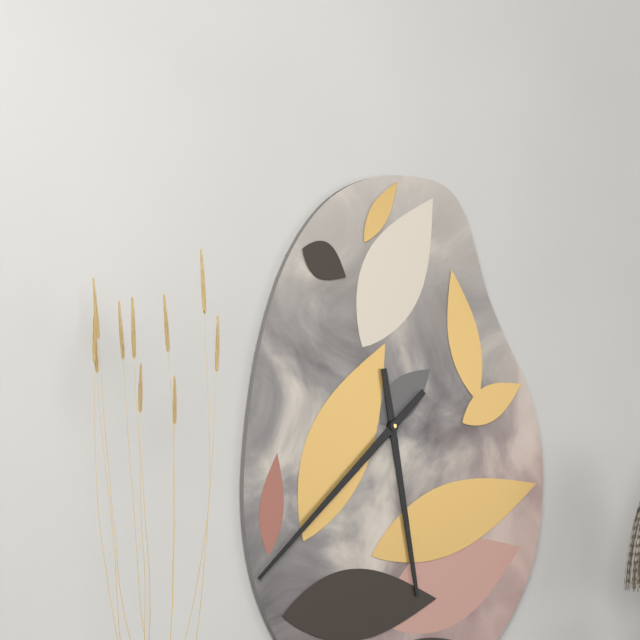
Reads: 5 h 38 min
